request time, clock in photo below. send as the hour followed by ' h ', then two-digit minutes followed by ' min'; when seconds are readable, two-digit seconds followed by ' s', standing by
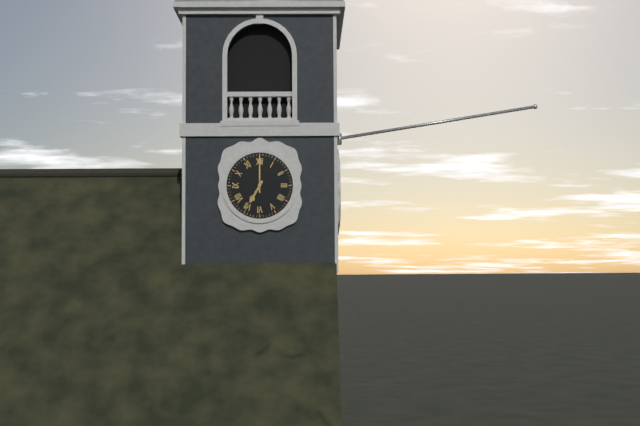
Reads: 7 h 00 min
